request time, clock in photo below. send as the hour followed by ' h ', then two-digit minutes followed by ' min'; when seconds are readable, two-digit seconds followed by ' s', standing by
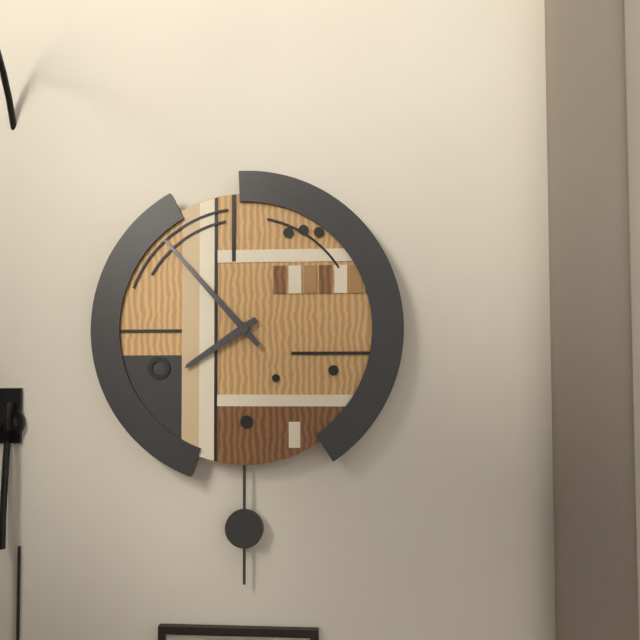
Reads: 7 h 53 min
